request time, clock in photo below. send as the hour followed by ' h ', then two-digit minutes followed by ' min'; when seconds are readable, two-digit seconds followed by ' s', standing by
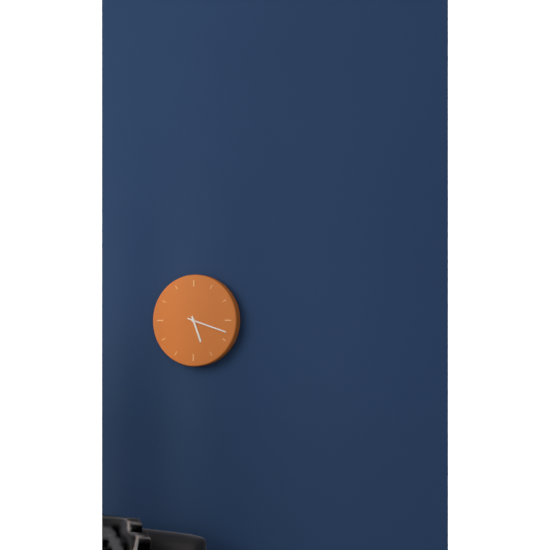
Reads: 5 h 18 min
